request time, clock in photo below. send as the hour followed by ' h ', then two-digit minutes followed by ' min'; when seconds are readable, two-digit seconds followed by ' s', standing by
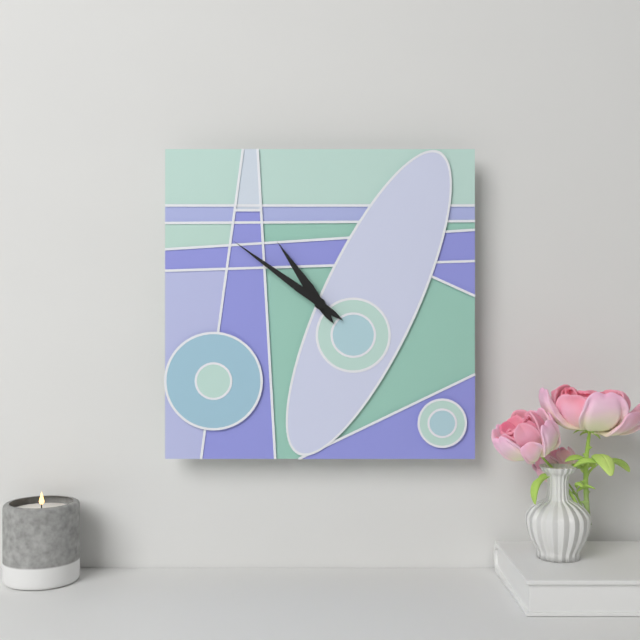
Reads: 10 h 51 min
